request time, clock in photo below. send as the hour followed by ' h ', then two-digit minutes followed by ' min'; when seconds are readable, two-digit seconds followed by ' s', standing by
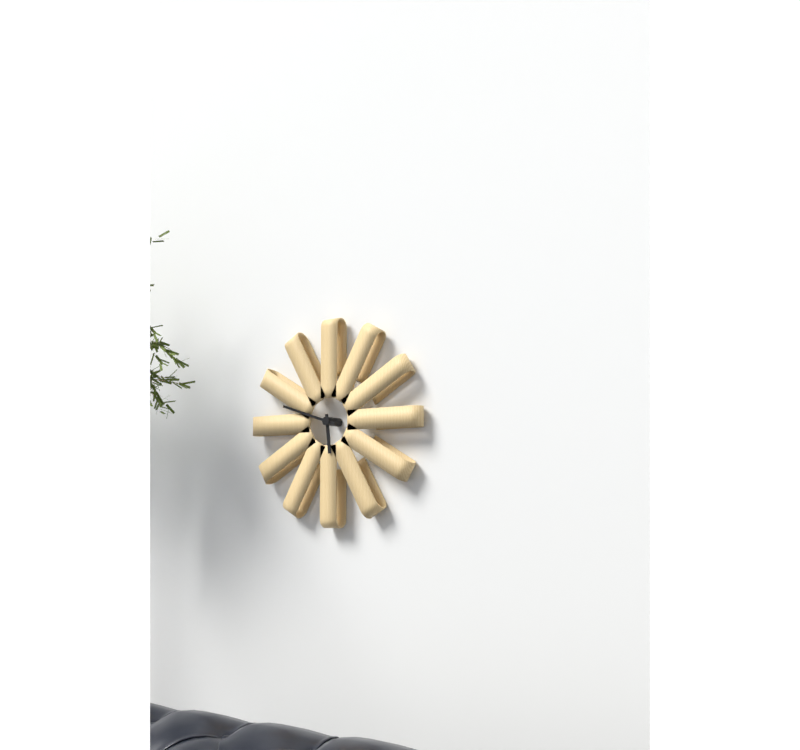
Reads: 5 h 48 min
